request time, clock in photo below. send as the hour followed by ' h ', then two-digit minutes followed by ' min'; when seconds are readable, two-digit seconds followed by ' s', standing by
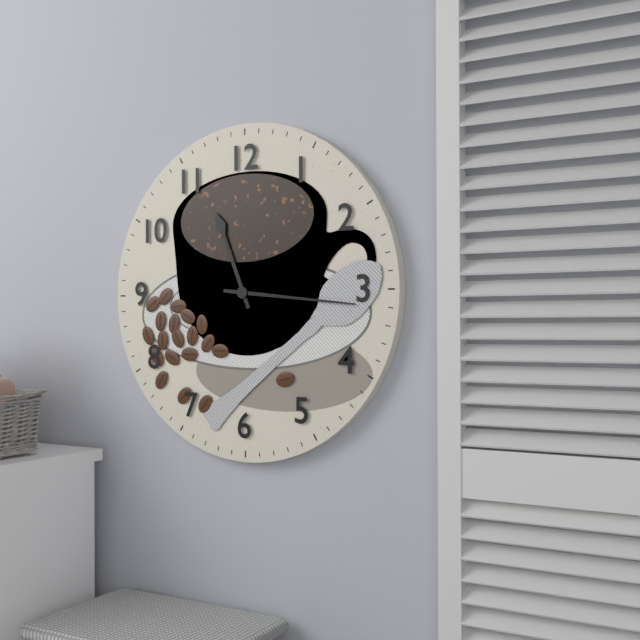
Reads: 11 h 16 min
